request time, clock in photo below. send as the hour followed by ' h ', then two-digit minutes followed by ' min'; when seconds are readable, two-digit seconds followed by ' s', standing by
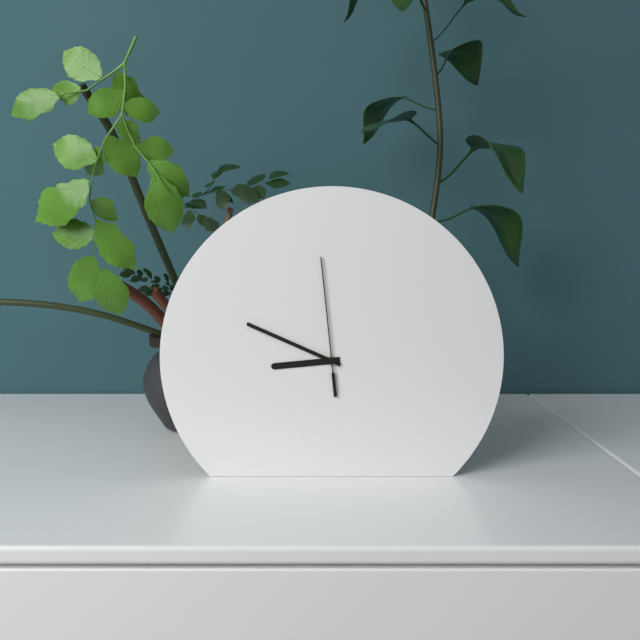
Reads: 8 h 49 min 59 s
